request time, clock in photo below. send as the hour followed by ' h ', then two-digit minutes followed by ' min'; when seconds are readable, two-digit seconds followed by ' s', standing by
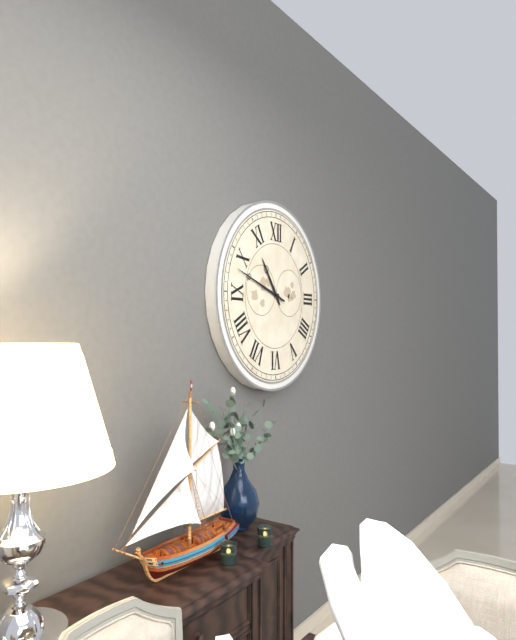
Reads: 10 h 48 min
